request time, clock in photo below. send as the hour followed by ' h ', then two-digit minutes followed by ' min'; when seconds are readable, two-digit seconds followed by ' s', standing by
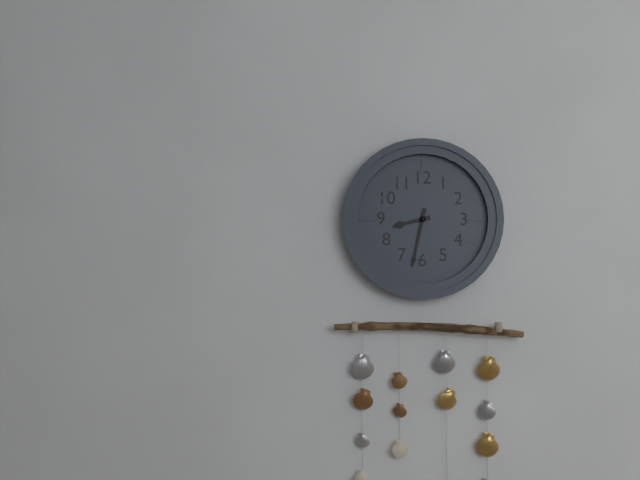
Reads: 8 h 32 min
